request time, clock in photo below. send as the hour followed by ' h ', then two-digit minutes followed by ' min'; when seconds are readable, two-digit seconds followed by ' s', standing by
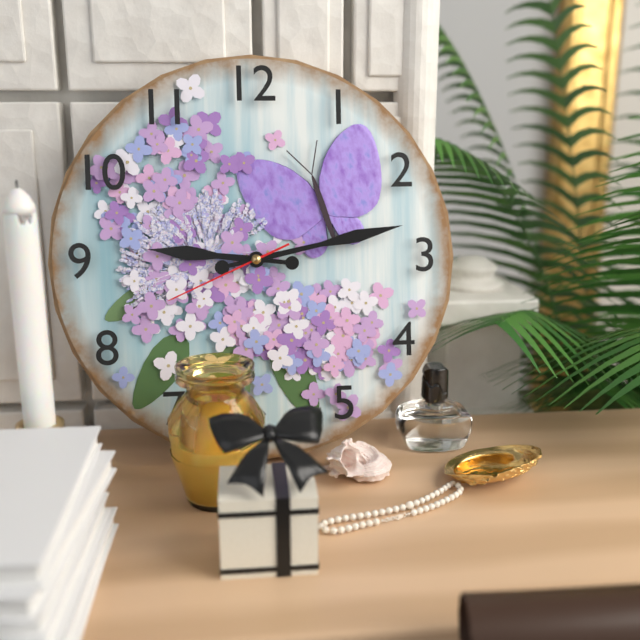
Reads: 9 h 13 min 41 s
